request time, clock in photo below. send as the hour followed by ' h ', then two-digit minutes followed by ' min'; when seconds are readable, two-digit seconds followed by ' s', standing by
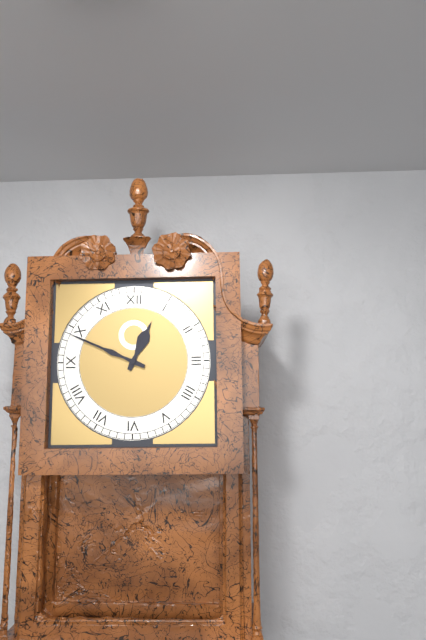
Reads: 12 h 49 min
